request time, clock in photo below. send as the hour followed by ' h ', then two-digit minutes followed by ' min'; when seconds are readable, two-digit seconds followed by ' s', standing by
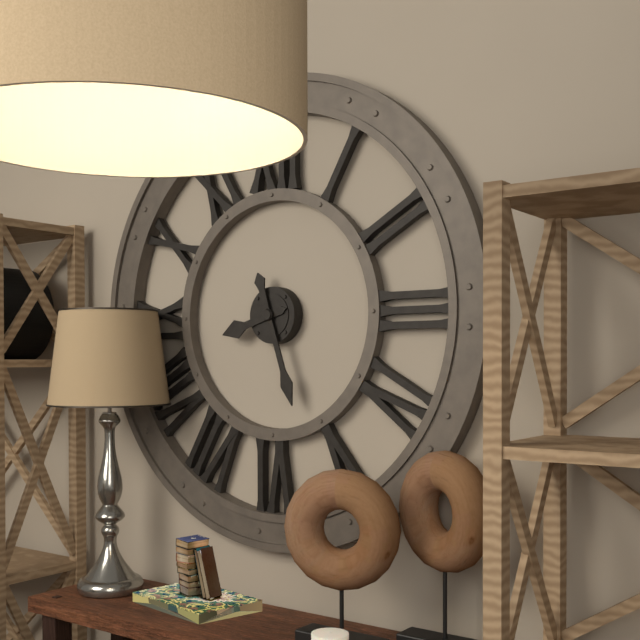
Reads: 8 h 27 min
